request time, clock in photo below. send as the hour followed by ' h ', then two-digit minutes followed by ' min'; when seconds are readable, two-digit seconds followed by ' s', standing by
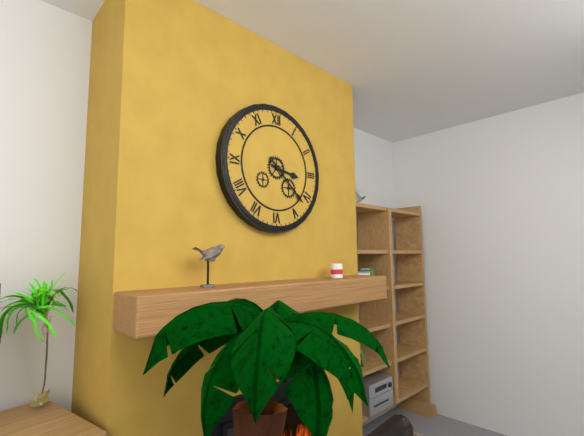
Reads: 3 h 22 min
